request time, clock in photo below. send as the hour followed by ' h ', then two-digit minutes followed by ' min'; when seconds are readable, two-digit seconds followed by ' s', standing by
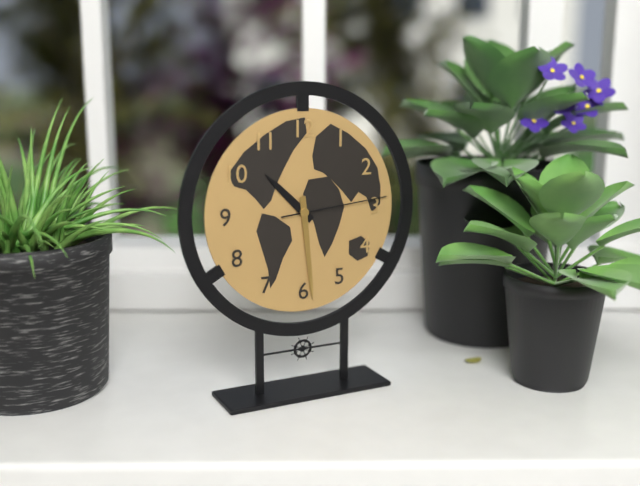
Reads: 10 h 29 min 14 s
